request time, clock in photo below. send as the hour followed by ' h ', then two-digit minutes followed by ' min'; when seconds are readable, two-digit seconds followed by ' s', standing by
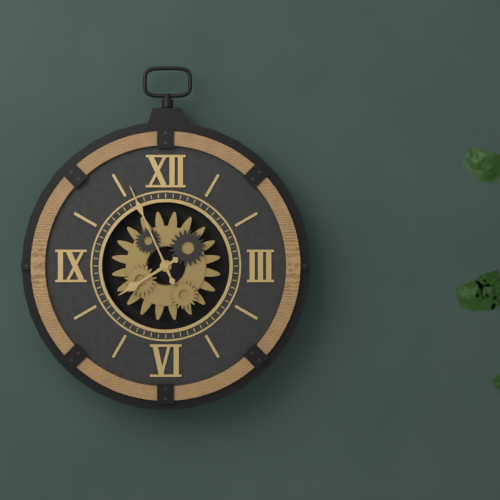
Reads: 7 h 56 min
